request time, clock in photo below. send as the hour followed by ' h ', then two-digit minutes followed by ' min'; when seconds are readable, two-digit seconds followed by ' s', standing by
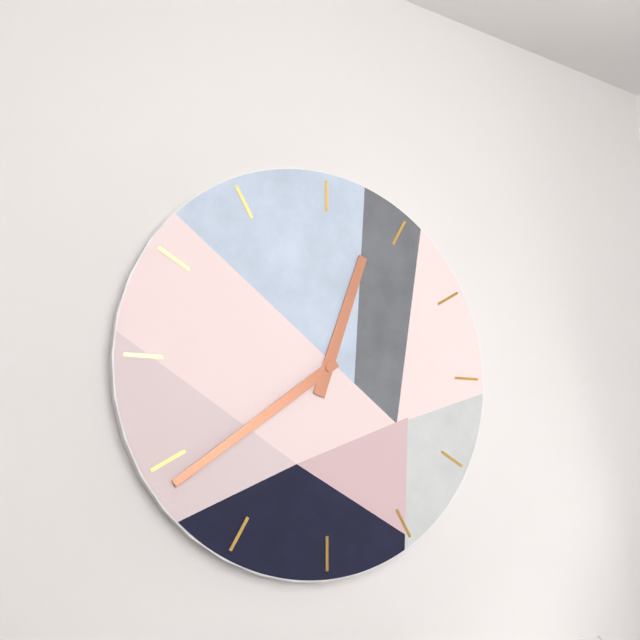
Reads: 12 h 39 min
